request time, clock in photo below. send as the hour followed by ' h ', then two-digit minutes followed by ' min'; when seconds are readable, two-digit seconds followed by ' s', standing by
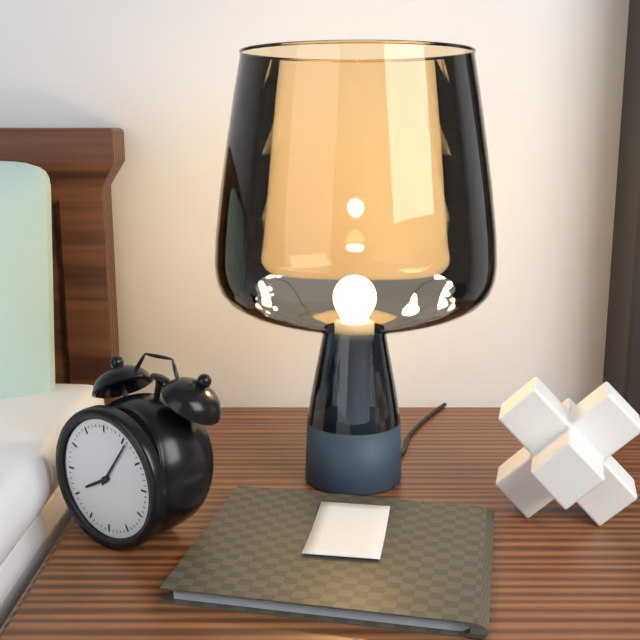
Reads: 8 h 06 min
